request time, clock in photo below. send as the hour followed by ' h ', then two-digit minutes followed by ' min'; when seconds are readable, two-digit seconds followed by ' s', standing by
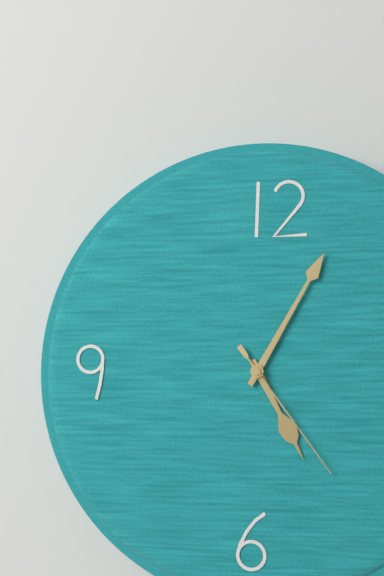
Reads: 5 h 05 min 24 s
